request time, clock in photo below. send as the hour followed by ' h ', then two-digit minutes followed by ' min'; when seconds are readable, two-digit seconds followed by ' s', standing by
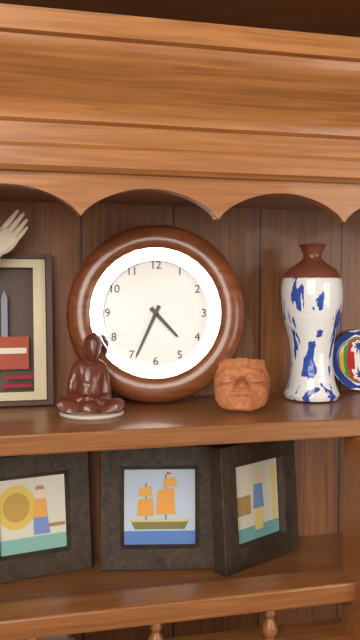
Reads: 4 h 34 min
